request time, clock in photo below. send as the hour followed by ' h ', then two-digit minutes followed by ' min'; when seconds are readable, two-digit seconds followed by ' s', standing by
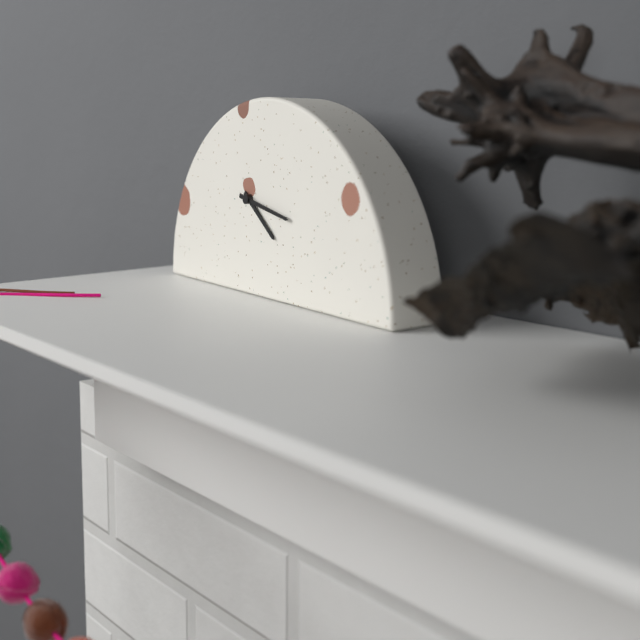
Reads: 4 h 17 min
